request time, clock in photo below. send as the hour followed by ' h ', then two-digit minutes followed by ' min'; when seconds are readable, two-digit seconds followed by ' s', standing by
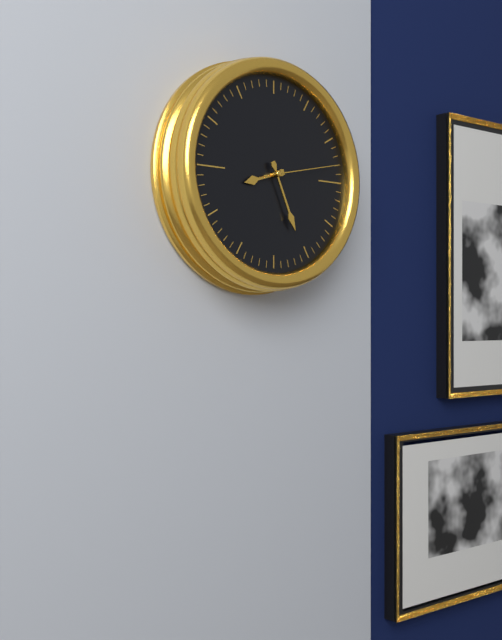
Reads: 8 h 26 min 13 s
